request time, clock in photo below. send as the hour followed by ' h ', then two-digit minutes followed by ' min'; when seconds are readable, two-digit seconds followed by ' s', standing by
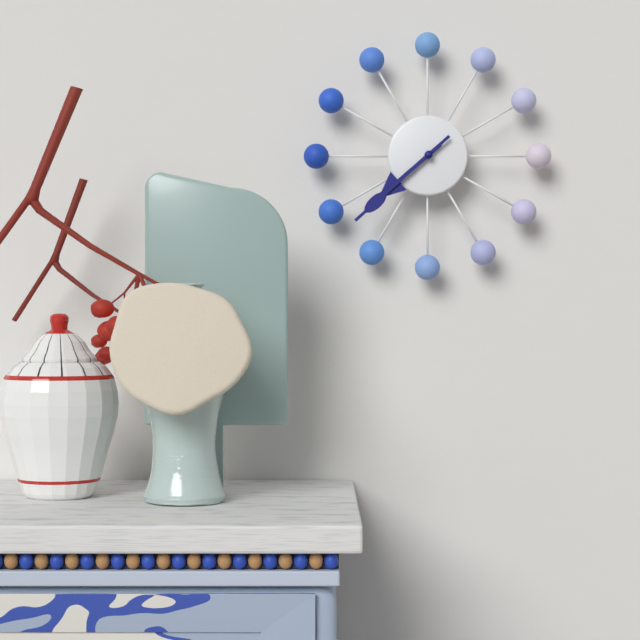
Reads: 7 h 38 min
